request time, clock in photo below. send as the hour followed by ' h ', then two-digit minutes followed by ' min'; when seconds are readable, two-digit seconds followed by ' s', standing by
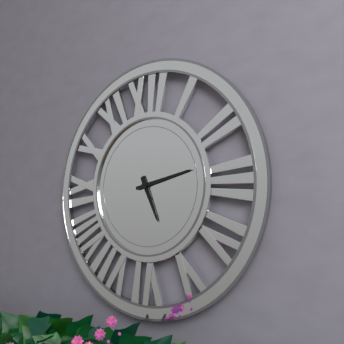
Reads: 5 h 13 min
